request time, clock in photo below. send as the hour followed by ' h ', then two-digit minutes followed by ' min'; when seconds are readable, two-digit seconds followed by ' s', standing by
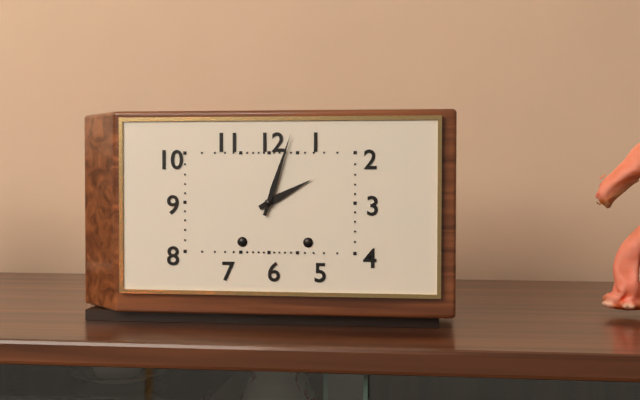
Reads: 2 h 03 min
